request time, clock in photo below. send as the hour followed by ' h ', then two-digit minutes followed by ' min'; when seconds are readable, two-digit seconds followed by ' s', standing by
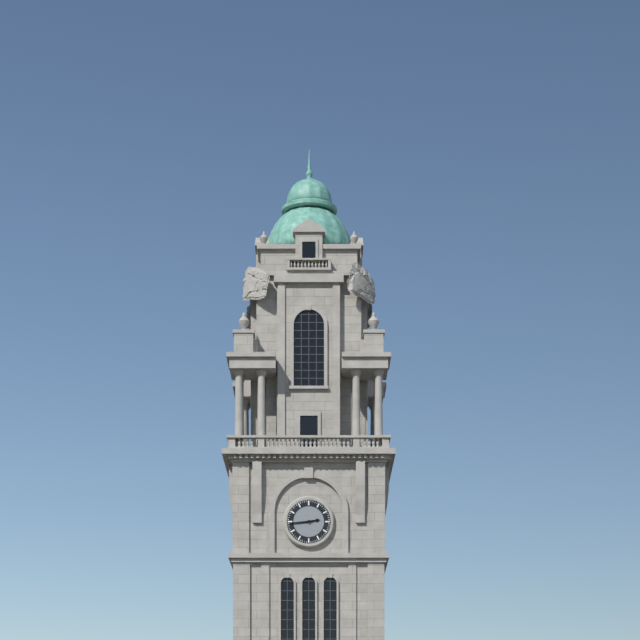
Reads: 2 h 44 min
